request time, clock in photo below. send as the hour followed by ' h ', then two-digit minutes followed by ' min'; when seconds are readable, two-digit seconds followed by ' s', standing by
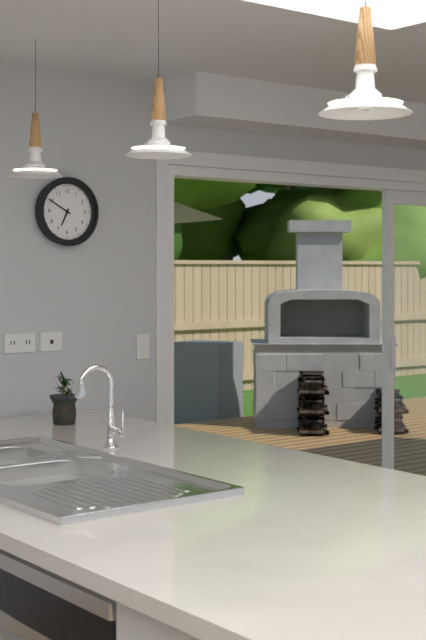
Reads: 6 h 50 min
